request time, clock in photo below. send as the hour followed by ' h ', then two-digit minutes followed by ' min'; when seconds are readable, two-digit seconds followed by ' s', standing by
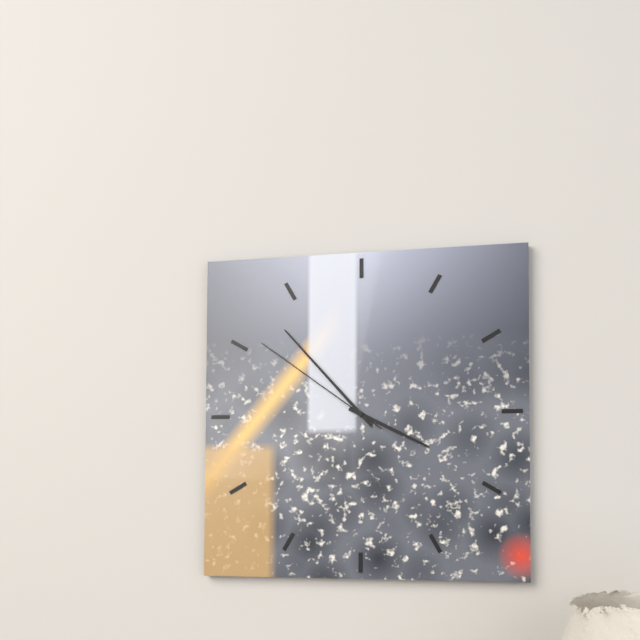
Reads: 3 h 53 min 51 s
